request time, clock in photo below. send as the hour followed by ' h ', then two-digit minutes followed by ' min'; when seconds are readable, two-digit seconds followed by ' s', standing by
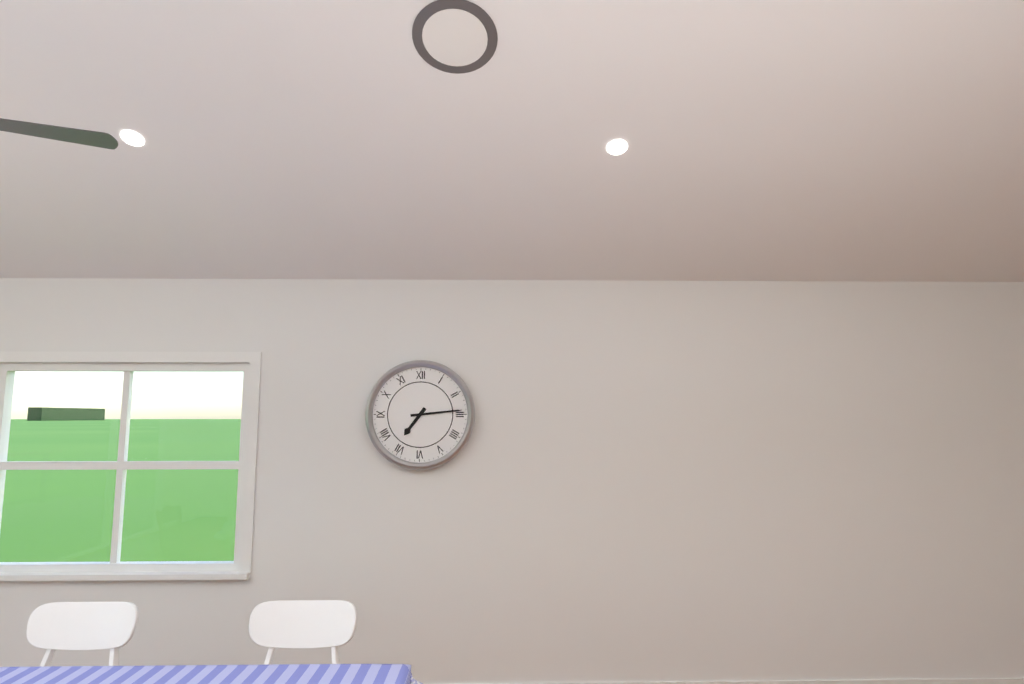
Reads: 7 h 14 min
